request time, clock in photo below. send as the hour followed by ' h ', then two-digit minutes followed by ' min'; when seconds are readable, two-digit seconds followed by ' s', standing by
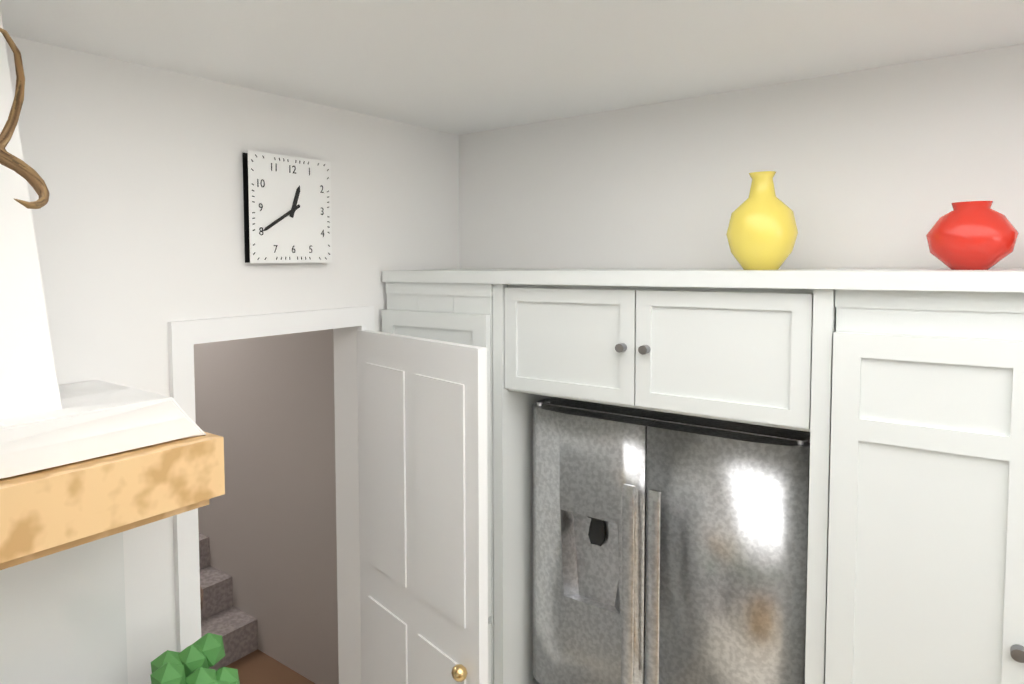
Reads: 12 h 40 min
